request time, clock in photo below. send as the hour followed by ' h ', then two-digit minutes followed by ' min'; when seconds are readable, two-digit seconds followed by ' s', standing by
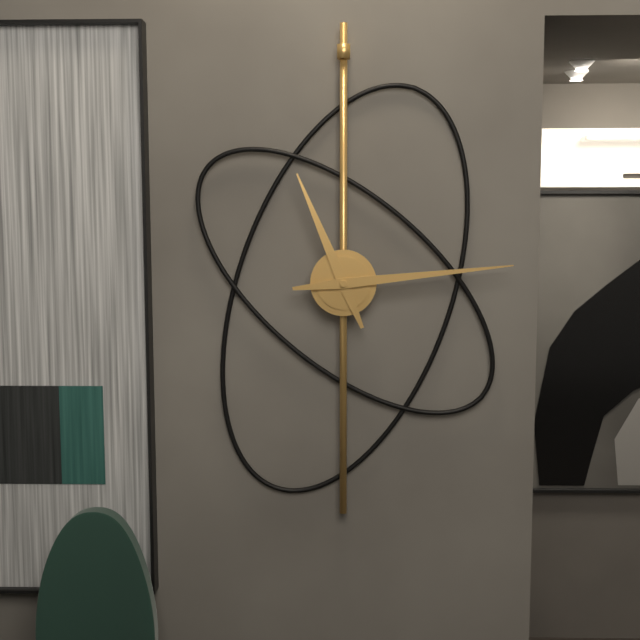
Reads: 11 h 14 min
